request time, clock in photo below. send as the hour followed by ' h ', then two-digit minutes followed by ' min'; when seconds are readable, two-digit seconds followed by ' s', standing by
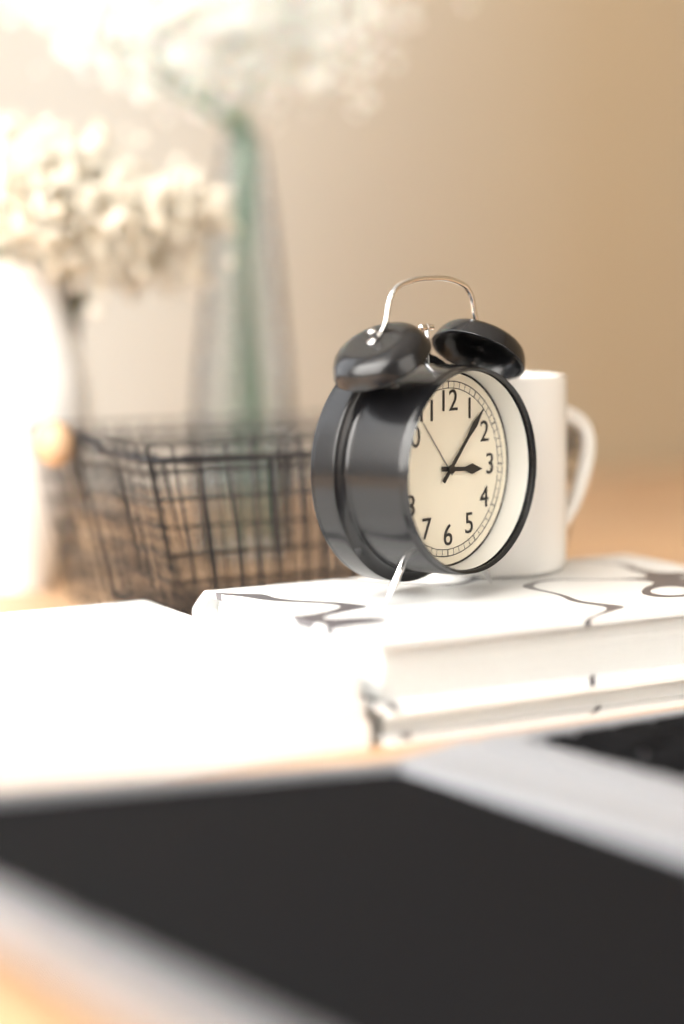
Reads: 3 h 07 min
